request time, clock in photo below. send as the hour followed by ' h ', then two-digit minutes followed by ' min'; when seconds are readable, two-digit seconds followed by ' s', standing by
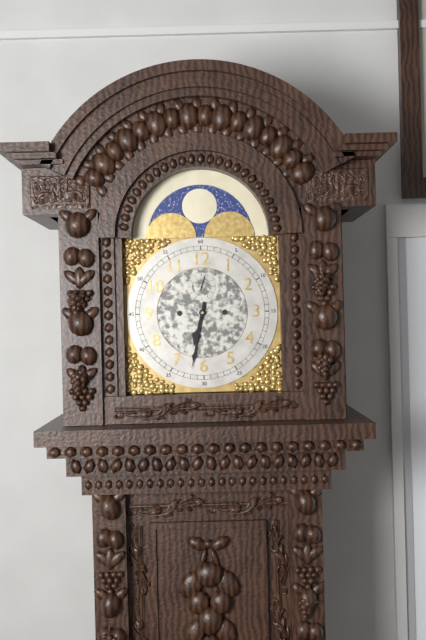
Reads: 6 h 32 min
